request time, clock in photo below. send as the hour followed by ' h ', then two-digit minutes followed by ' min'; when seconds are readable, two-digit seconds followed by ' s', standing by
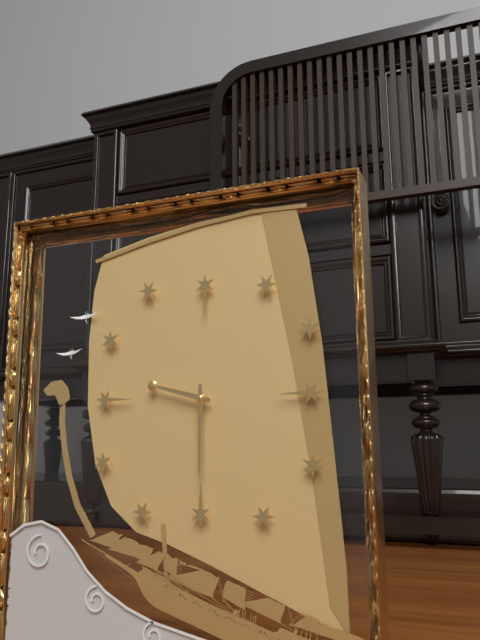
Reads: 9 h 30 min
